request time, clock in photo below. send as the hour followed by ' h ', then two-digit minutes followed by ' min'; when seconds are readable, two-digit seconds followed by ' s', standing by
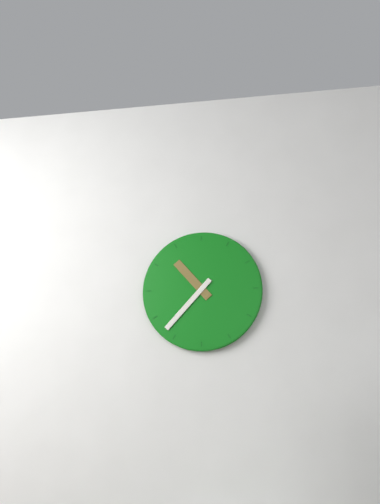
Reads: 10 h 37 min
